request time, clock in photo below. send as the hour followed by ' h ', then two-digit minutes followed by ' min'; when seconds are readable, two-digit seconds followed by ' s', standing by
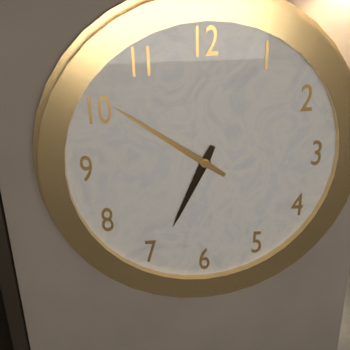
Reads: 6 h 51 min
